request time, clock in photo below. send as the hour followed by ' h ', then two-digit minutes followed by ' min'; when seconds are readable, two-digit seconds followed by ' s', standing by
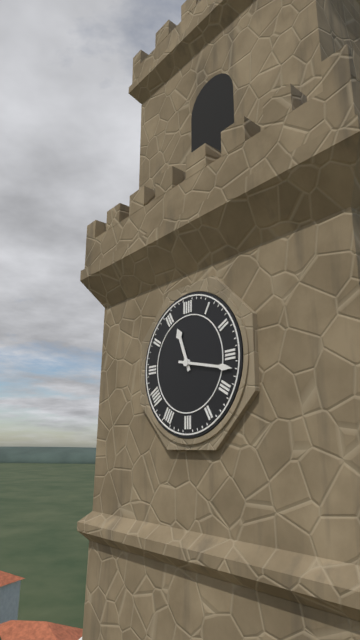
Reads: 11 h 17 min
